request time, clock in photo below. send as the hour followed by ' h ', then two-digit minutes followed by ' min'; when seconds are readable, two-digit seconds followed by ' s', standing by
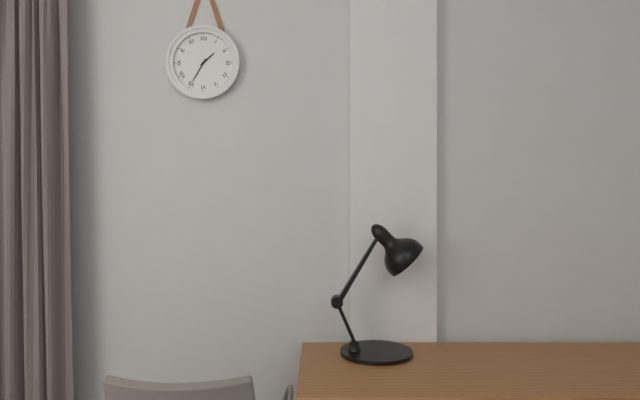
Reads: 1 h 35 min
